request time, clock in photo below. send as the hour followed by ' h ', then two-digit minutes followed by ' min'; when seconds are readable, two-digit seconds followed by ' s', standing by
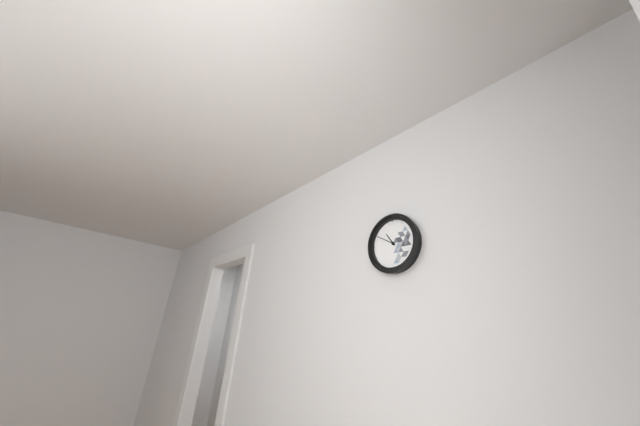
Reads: 10 h 50 min
